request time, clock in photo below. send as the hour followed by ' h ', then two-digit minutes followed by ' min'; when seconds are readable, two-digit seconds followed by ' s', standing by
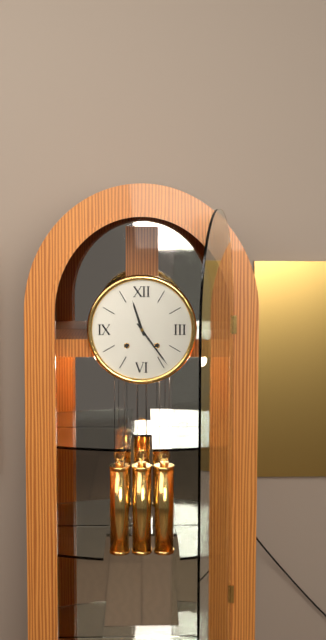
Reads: 11 h 24 min
